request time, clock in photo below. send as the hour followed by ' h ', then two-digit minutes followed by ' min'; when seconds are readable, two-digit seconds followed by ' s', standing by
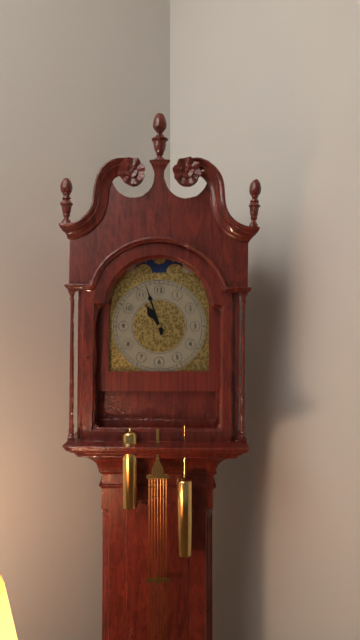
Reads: 10 h 57 min
